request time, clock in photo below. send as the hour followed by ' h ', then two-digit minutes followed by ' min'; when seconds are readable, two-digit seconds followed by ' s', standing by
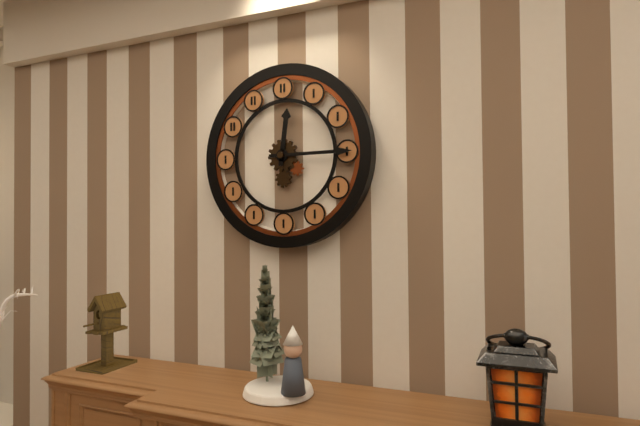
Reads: 12 h 15 min
